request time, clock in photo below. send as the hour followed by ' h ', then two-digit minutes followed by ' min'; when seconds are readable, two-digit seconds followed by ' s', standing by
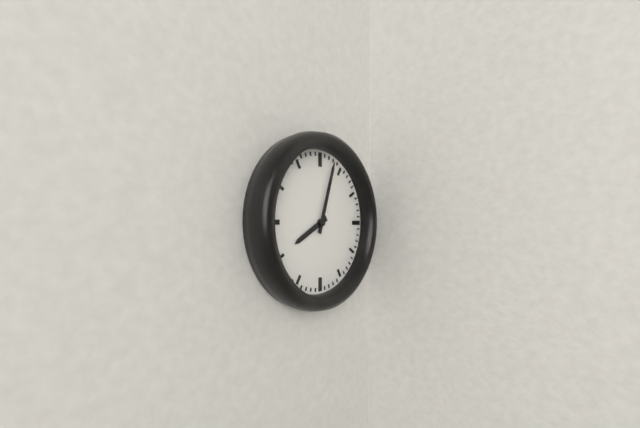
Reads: 8 h 03 min
